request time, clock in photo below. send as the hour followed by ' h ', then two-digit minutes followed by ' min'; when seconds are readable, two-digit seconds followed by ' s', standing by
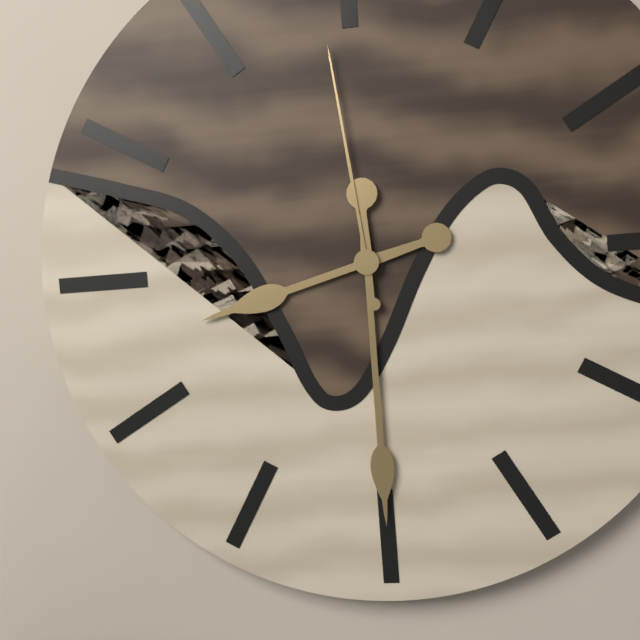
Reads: 8 h 30 min 59 s
